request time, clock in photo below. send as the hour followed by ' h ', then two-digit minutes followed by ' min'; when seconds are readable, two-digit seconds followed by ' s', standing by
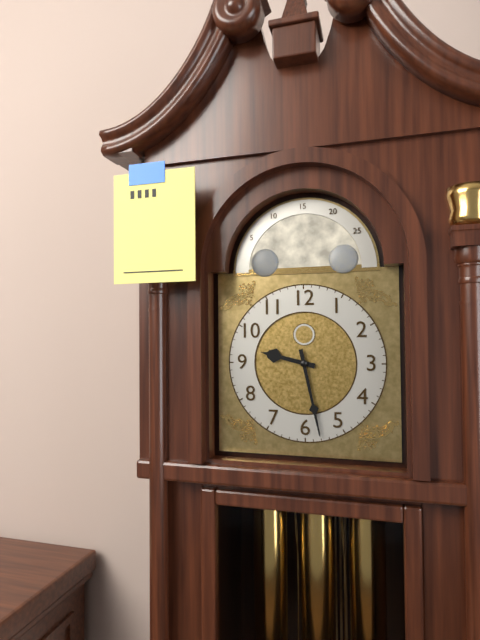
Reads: 9 h 28 min
